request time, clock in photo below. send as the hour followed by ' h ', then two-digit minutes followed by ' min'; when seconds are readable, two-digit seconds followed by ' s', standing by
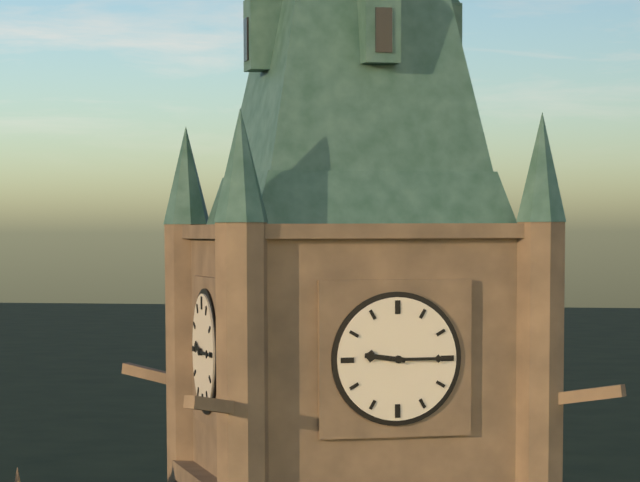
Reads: 9 h 15 min
